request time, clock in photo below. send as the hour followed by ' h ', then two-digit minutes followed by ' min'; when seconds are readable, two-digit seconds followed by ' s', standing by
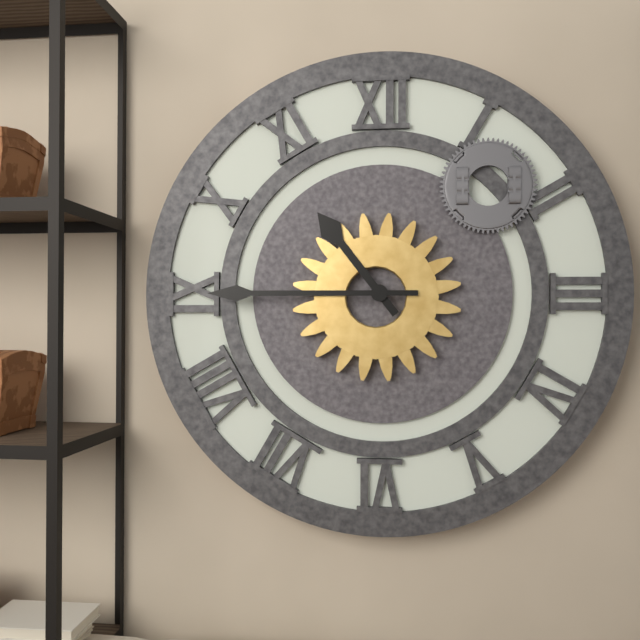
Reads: 10 h 45 min
